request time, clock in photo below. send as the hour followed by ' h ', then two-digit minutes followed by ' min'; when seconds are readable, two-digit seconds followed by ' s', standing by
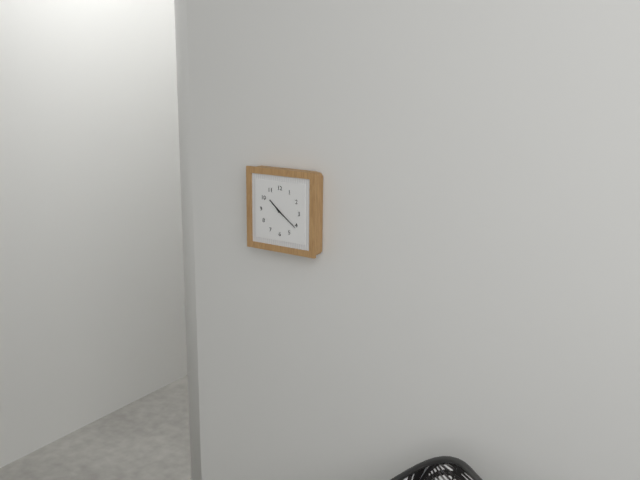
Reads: 10 h 21 min
